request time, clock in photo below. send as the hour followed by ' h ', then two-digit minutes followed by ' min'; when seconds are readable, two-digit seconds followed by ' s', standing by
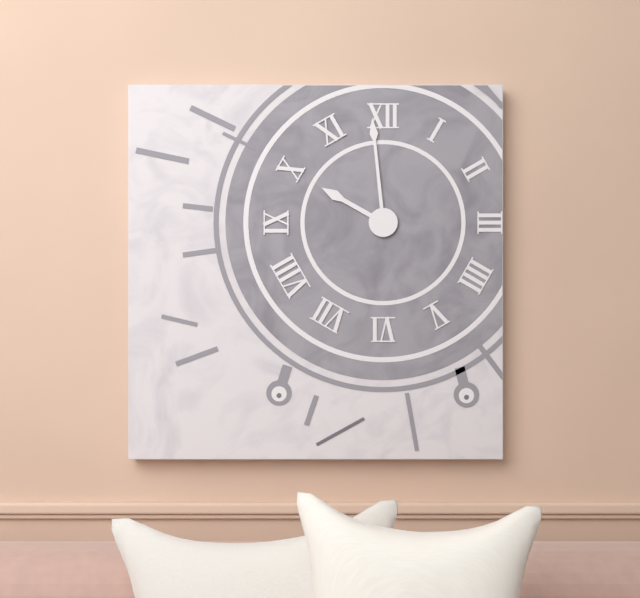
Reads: 9 h 59 min
